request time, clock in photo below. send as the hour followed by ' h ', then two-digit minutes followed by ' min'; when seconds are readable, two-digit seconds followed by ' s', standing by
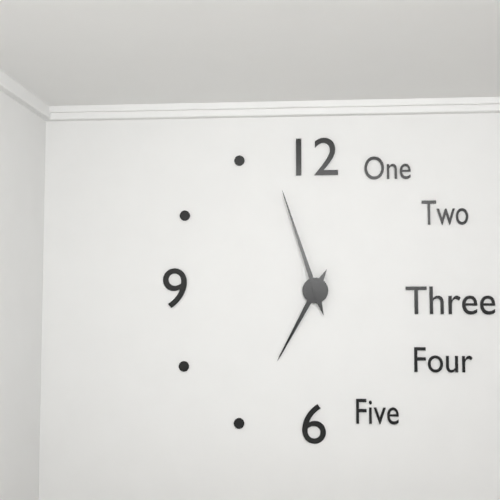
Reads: 6 h 57 min
